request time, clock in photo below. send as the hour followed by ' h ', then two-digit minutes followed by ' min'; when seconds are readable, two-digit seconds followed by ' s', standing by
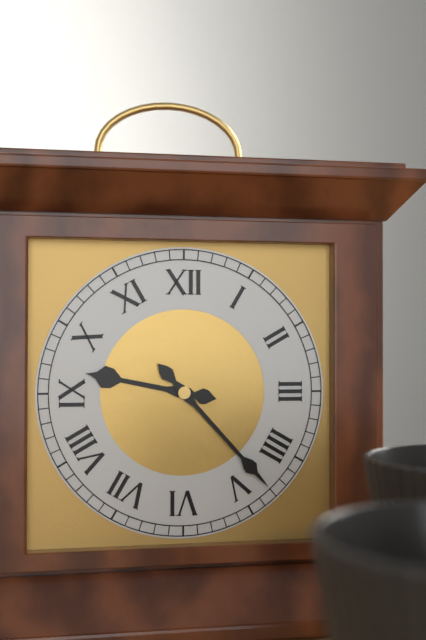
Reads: 9 h 23 min
